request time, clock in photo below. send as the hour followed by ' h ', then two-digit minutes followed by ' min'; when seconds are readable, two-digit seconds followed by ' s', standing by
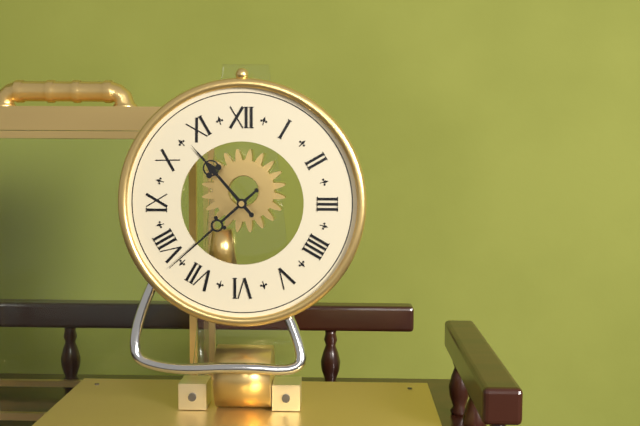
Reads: 10 h 38 min
